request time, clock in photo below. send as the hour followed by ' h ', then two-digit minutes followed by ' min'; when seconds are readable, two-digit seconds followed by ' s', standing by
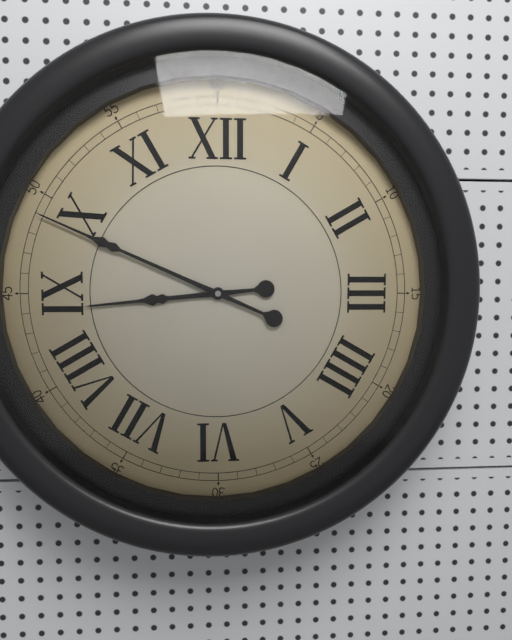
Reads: 8 h 49 min
